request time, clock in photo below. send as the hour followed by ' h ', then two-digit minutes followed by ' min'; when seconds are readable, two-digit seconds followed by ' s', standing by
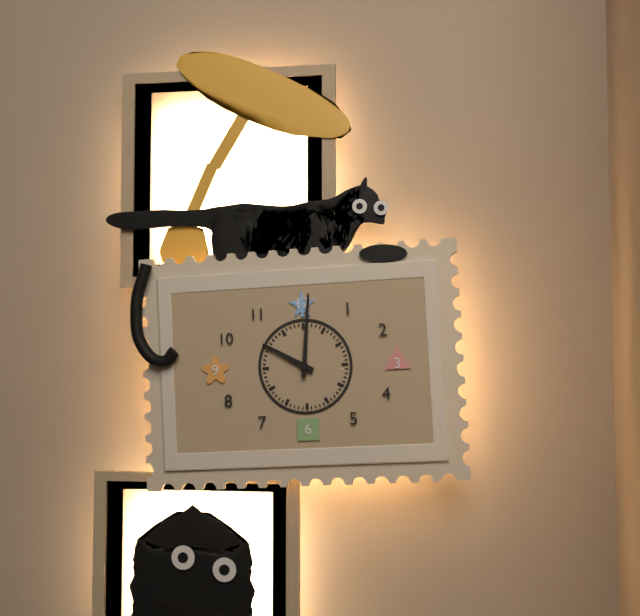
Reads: 10 h 01 min
